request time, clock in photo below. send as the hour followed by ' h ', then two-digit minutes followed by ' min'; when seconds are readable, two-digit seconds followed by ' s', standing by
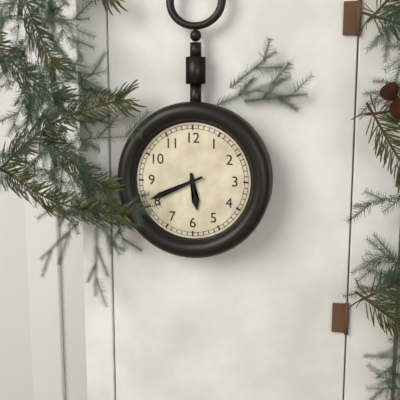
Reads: 5 h 41 min
